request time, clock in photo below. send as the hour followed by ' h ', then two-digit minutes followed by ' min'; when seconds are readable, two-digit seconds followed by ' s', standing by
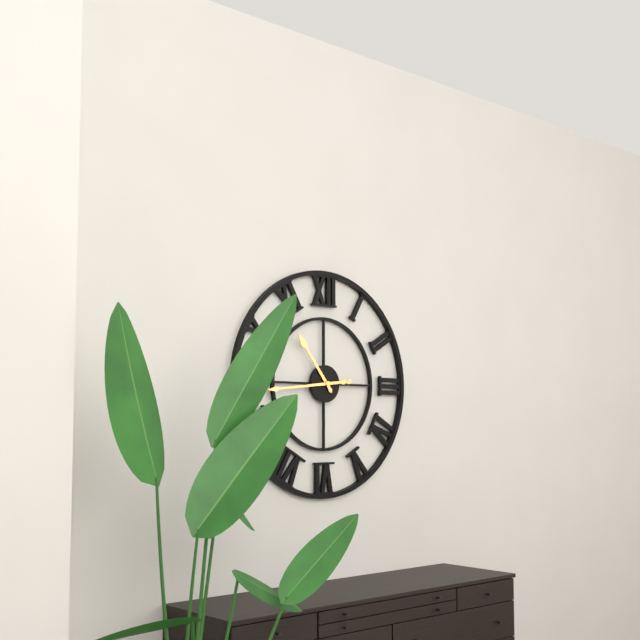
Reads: 10 h 44 min
